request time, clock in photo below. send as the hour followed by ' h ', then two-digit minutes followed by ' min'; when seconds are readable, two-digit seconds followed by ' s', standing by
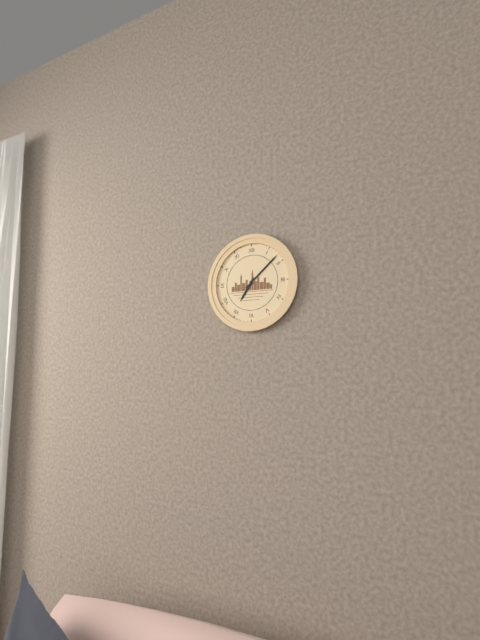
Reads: 7 h 08 min
